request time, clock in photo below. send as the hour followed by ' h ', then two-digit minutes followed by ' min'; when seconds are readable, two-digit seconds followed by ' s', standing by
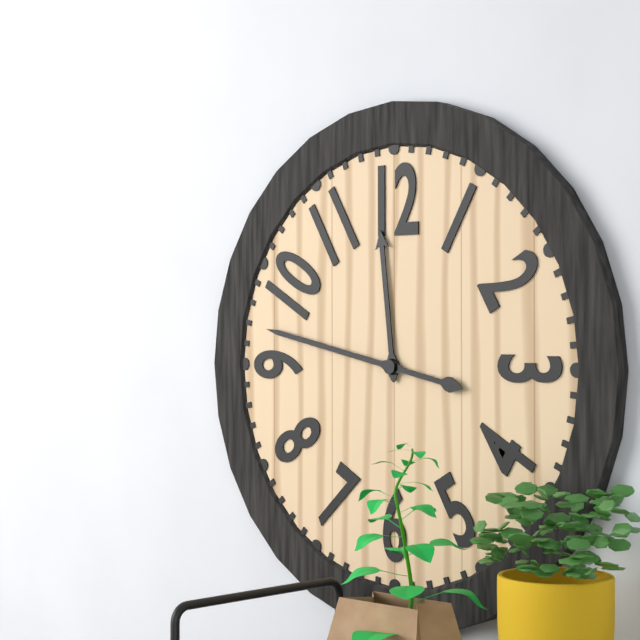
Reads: 11 h 47 min
